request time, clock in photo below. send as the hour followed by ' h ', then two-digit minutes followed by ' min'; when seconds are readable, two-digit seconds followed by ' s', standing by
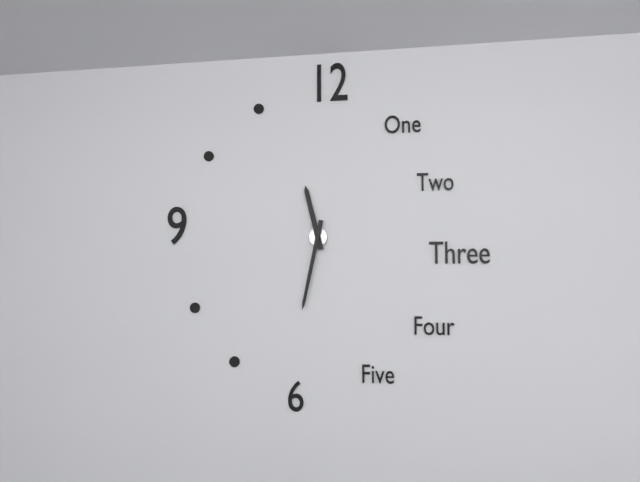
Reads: 11 h 32 min
